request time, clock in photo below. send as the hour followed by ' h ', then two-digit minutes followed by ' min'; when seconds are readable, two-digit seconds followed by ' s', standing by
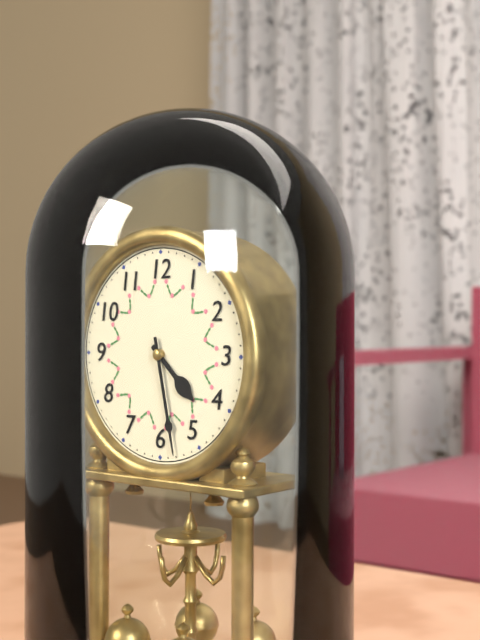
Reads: 4 h 28 min
